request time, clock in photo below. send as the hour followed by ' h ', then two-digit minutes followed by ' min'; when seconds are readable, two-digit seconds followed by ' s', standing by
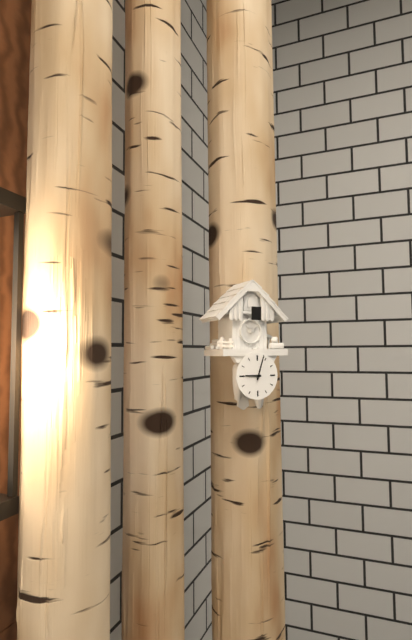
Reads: 9 h 03 min
